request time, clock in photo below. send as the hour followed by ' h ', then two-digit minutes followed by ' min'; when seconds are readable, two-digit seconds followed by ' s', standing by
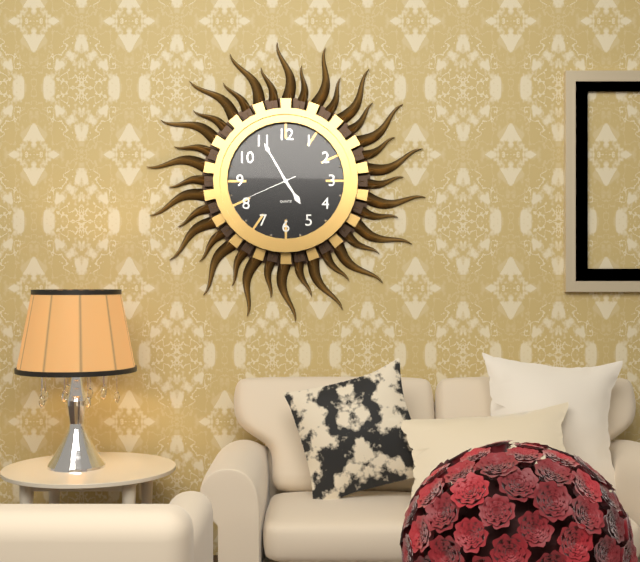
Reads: 4 h 55 min 41 s
